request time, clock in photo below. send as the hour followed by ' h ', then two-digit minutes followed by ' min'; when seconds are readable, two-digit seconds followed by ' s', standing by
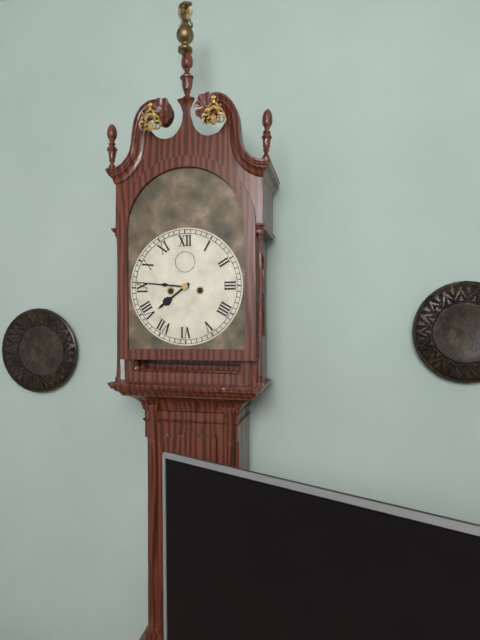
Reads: 7 h 46 min
